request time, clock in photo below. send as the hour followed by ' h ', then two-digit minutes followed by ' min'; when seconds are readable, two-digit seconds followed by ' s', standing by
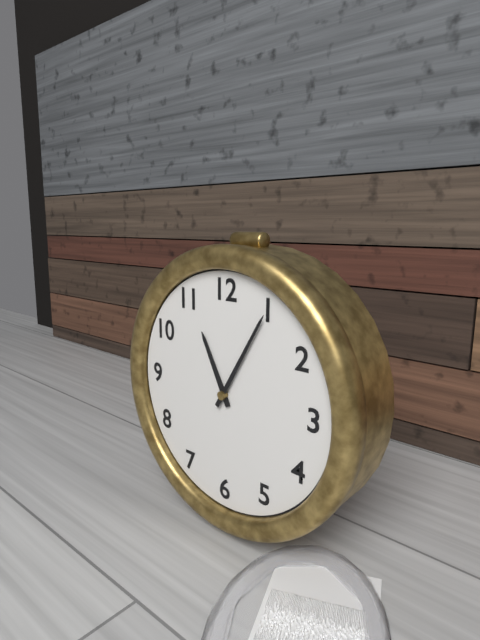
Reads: 11 h 05 min
